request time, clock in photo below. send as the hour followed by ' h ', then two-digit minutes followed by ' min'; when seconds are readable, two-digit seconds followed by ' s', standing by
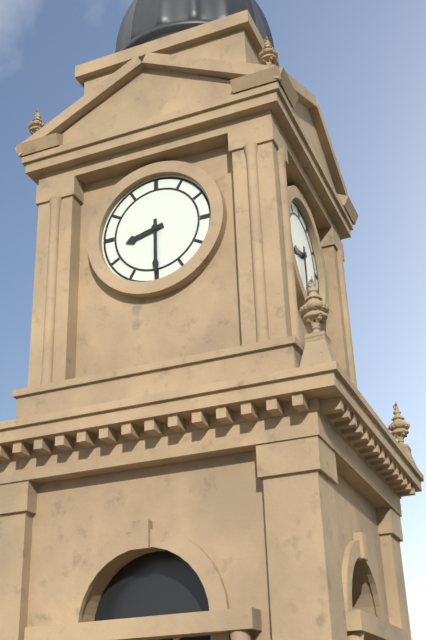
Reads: 8 h 30 min
